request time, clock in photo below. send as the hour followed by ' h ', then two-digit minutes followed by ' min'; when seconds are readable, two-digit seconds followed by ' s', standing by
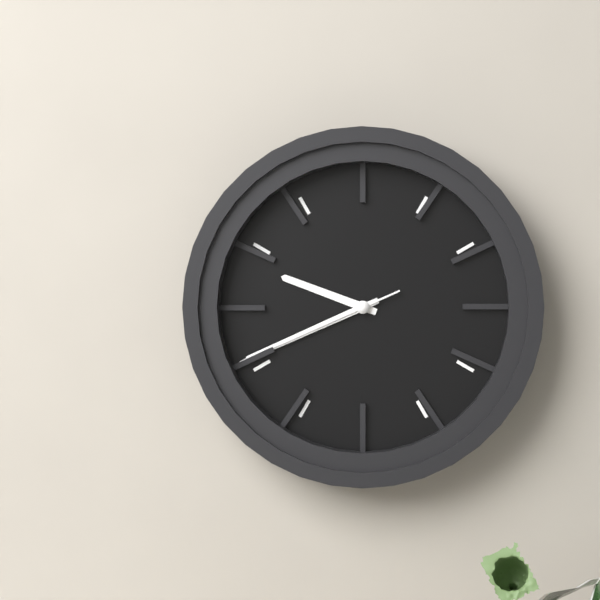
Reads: 9 h 41 min 41 s
